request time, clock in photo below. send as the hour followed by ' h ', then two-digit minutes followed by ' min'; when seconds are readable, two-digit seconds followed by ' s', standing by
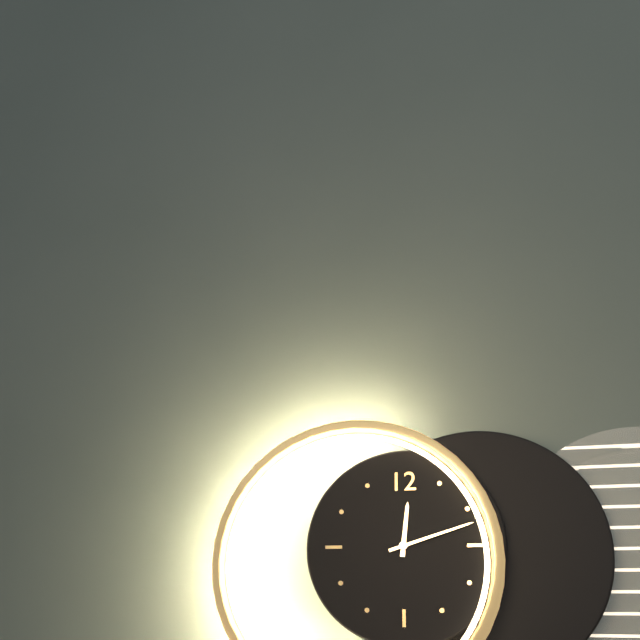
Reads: 12 h 12 min
